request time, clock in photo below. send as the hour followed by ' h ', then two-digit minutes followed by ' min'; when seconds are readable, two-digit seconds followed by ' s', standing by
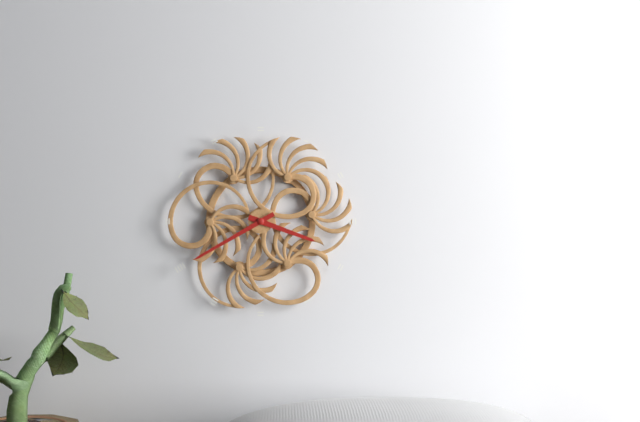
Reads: 3 h 40 min
